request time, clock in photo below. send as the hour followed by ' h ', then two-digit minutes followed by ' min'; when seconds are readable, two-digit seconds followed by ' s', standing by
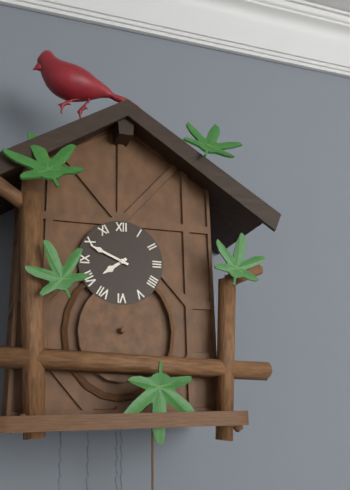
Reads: 7 h 49 min
